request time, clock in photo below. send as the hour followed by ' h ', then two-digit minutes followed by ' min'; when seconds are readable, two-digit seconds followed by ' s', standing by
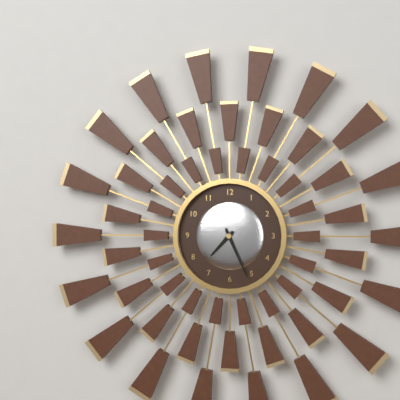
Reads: 7 h 26 min
